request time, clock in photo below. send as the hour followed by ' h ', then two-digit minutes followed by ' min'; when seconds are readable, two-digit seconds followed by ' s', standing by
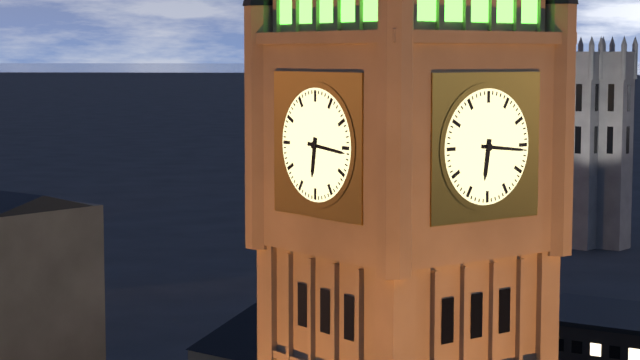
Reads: 6 h 16 min
